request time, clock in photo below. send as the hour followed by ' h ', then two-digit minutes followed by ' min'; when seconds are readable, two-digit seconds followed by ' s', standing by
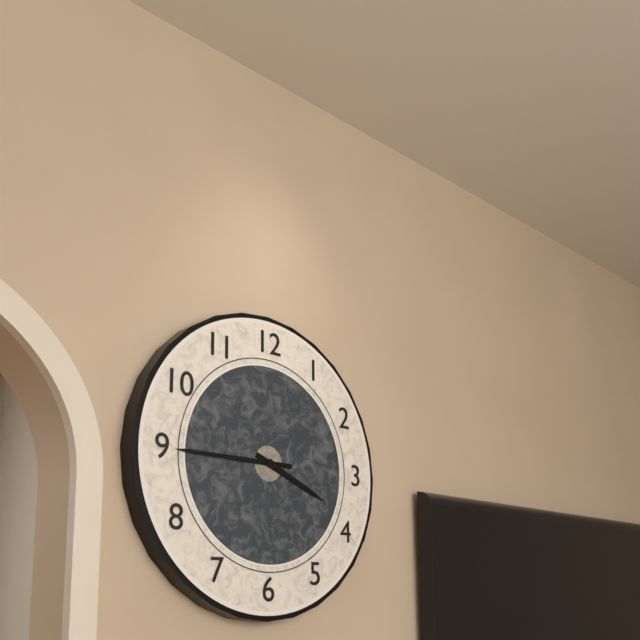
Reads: 3 h 45 min
